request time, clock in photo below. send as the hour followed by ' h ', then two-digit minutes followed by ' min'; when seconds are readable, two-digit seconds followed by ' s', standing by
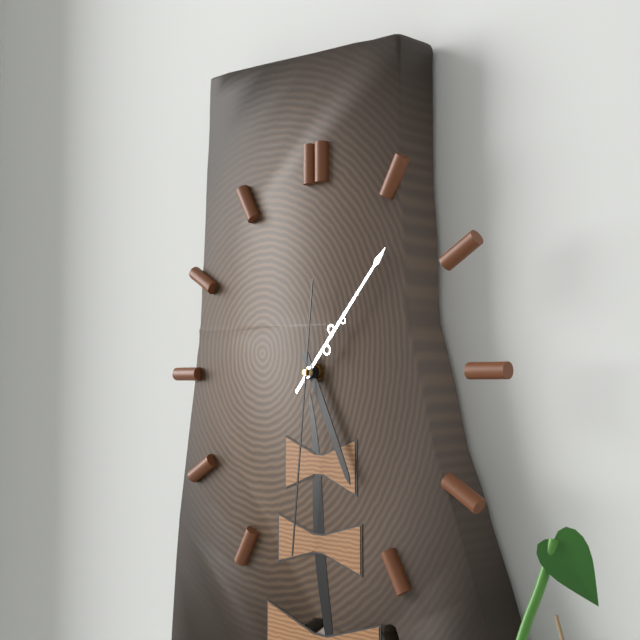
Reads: 5 h 07 min 31 s
